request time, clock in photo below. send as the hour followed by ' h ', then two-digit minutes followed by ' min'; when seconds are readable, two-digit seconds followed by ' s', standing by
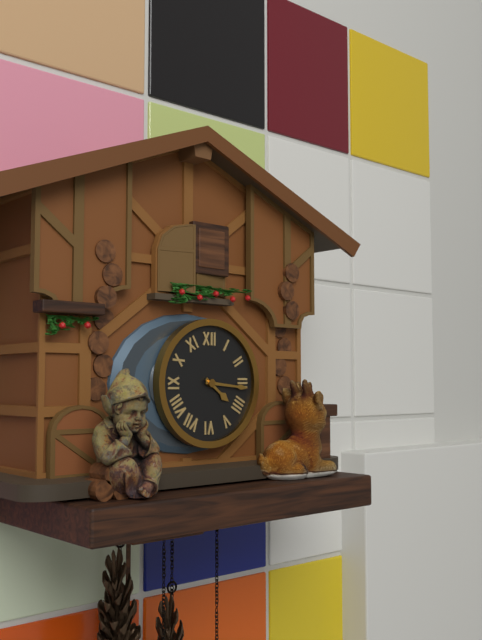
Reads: 4 h 16 min
